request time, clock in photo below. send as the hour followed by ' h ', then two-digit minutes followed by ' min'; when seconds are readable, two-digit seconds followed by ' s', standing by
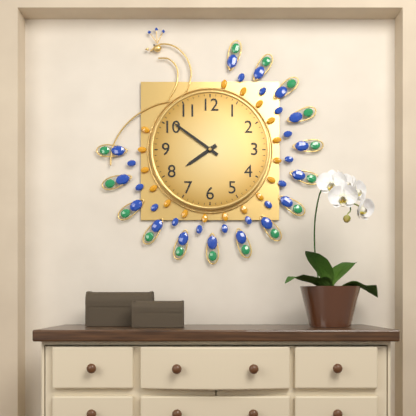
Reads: 7 h 51 min
